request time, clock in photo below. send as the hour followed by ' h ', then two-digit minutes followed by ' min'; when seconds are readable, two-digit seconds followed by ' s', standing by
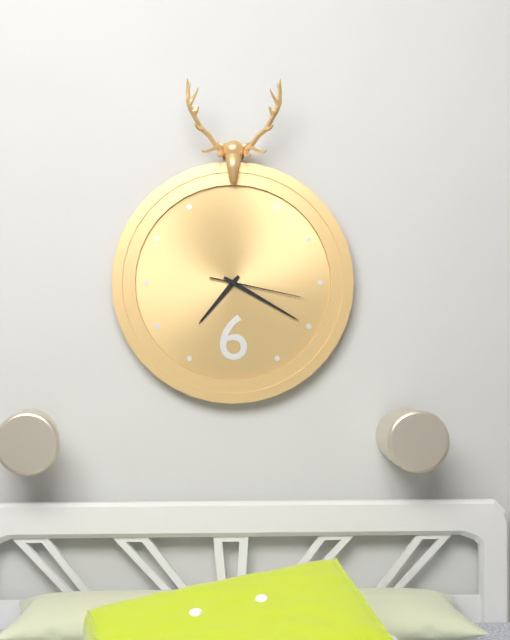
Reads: 7 h 20 min 17 s
